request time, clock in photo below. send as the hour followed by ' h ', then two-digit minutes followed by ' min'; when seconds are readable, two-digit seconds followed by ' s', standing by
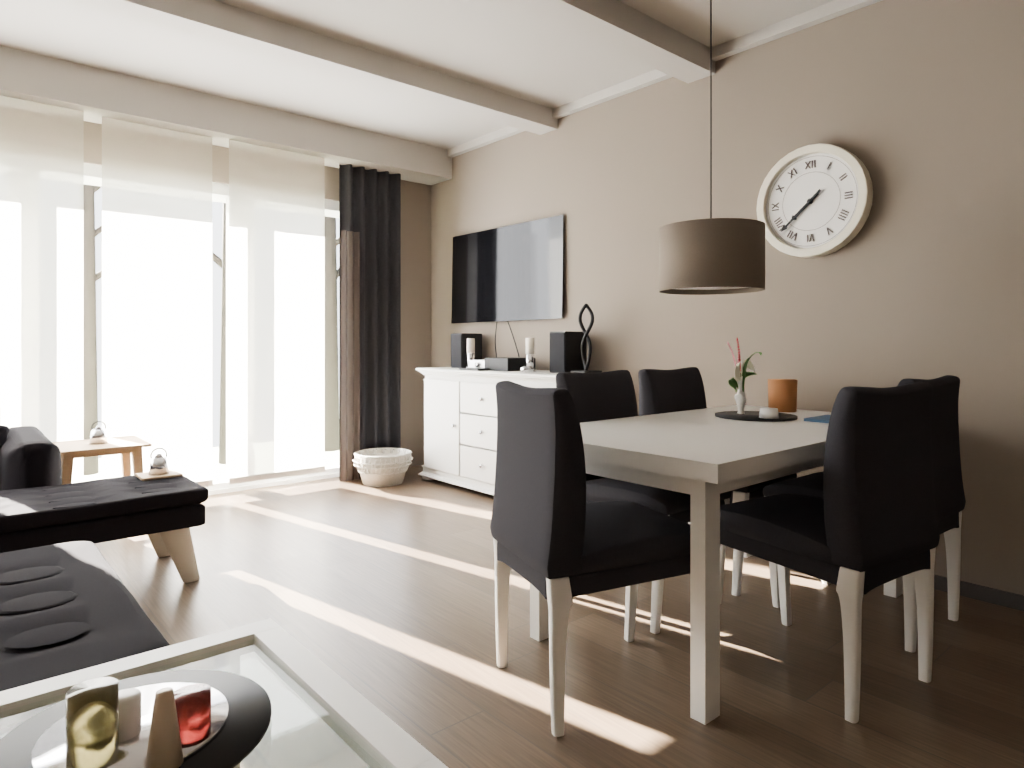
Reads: 7 h 38 min
